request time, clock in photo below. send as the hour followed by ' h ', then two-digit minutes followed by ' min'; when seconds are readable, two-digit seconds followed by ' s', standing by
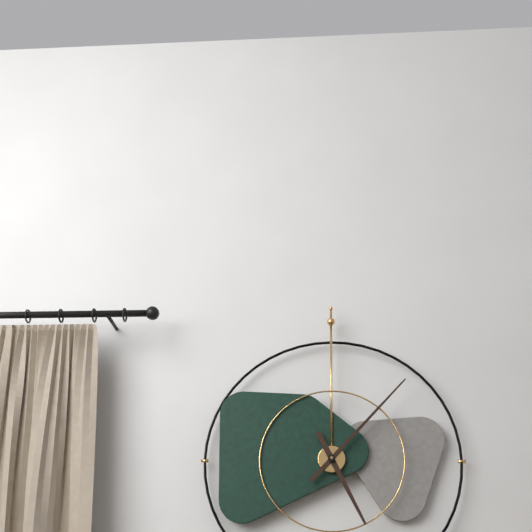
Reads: 5 h 07 min
